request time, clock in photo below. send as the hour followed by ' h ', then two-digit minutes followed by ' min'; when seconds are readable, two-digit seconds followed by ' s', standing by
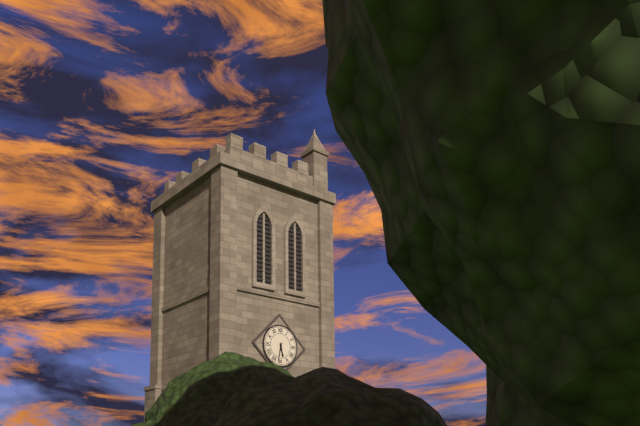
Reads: 5 h 32 min
